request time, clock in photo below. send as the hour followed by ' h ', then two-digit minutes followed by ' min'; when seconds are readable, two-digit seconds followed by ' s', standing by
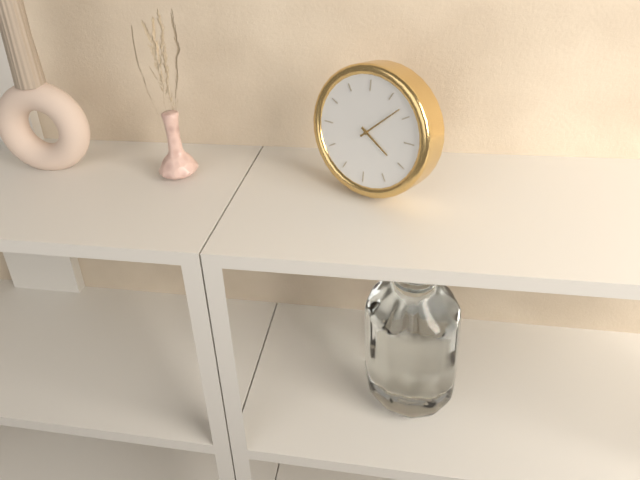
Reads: 4 h 08 min
